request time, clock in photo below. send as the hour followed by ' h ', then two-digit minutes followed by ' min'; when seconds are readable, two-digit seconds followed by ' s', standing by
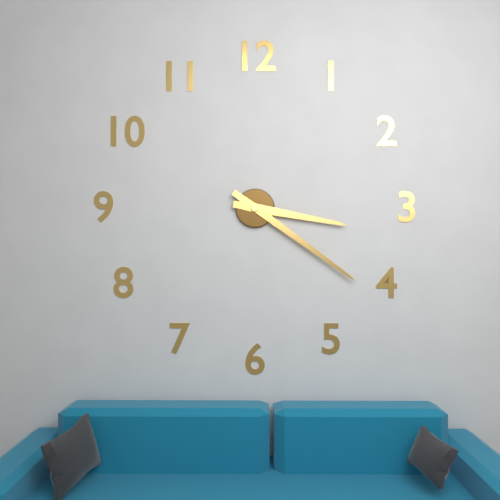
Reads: 3 h 21 min
